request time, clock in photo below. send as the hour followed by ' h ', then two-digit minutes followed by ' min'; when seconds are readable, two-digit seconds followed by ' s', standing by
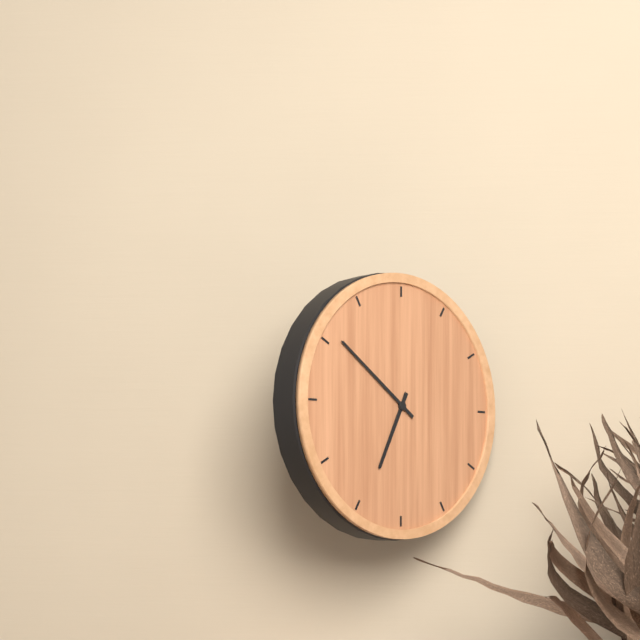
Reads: 6 h 51 min
